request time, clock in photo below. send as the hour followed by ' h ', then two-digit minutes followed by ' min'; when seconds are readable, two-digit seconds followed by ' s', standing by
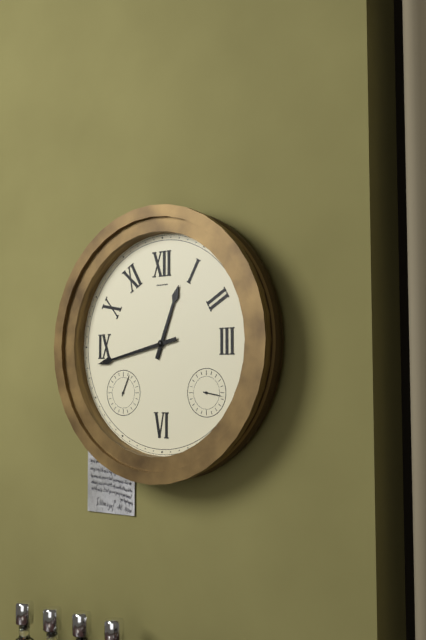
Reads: 12 h 43 min
